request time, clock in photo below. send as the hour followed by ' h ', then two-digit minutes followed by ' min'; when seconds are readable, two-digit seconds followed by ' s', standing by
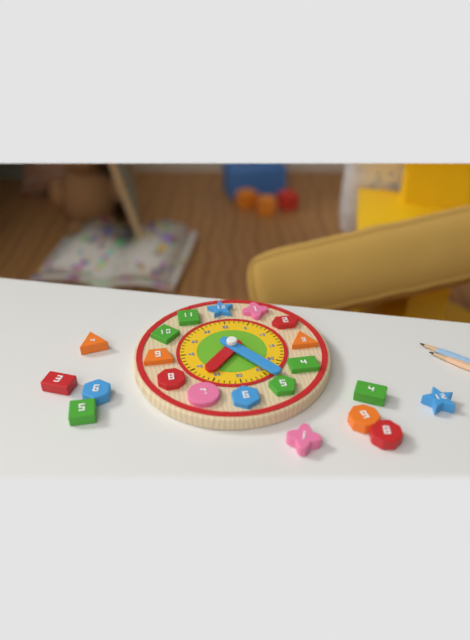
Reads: 7 h 24 min
